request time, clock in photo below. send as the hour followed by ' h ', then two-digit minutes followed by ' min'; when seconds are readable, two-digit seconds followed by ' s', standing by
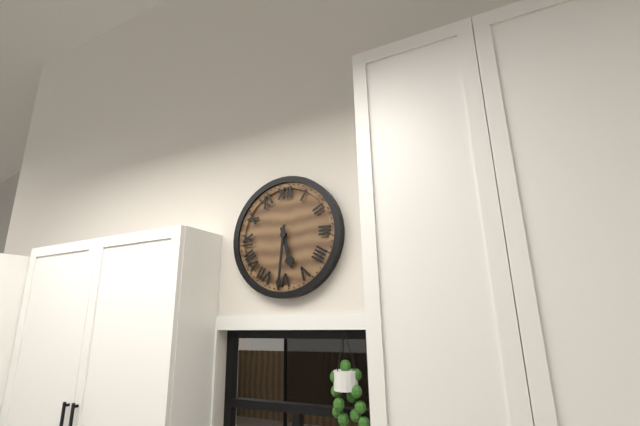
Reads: 5 h 31 min
